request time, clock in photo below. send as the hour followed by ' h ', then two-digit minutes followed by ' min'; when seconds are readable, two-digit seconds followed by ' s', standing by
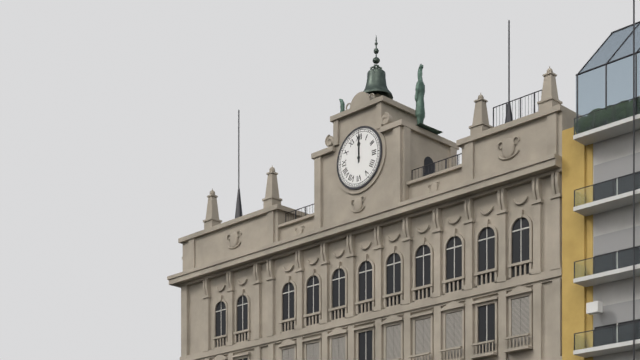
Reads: 12 h 00 min
